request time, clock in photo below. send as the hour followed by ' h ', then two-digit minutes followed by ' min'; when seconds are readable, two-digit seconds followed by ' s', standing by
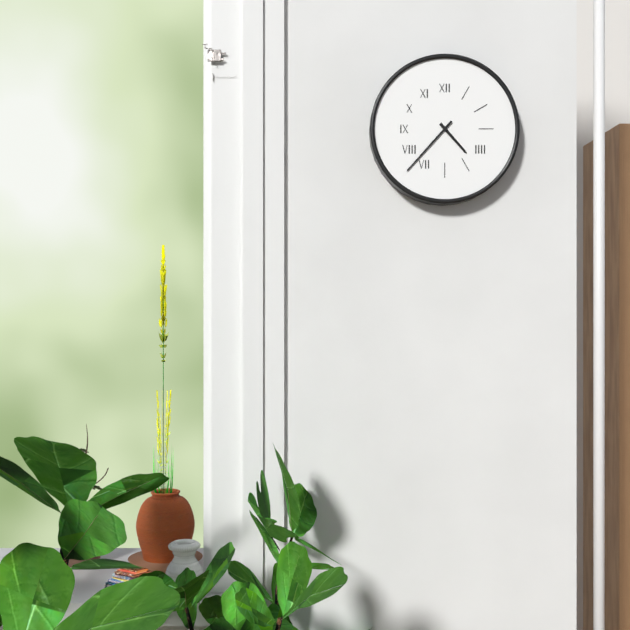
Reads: 4 h 37 min
